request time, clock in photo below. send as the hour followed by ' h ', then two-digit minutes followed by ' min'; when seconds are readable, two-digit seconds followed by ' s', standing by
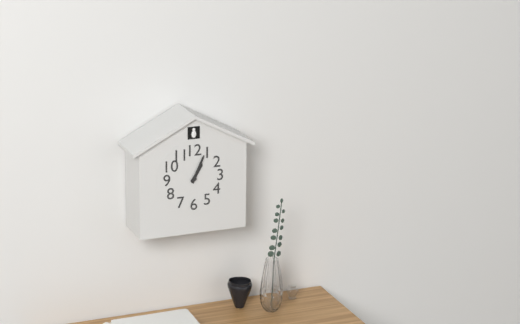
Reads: 1 h 04 min
